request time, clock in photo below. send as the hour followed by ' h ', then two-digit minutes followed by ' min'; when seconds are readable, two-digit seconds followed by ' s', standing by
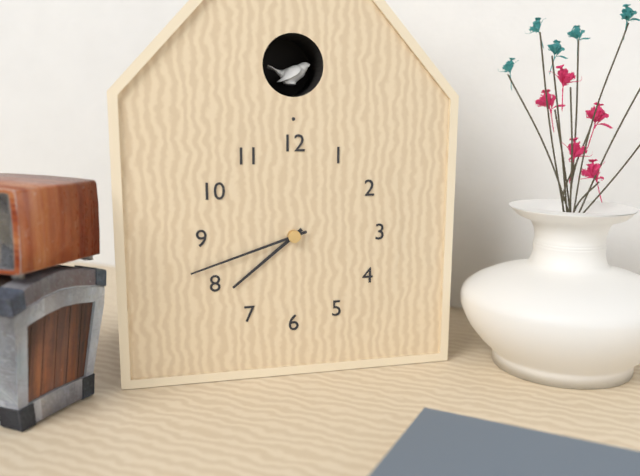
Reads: 7 h 42 min
